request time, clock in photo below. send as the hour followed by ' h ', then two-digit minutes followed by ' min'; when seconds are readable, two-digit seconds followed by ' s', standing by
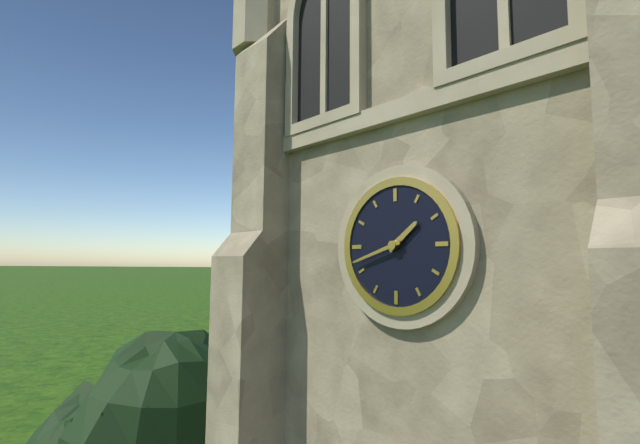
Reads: 1 h 42 min
